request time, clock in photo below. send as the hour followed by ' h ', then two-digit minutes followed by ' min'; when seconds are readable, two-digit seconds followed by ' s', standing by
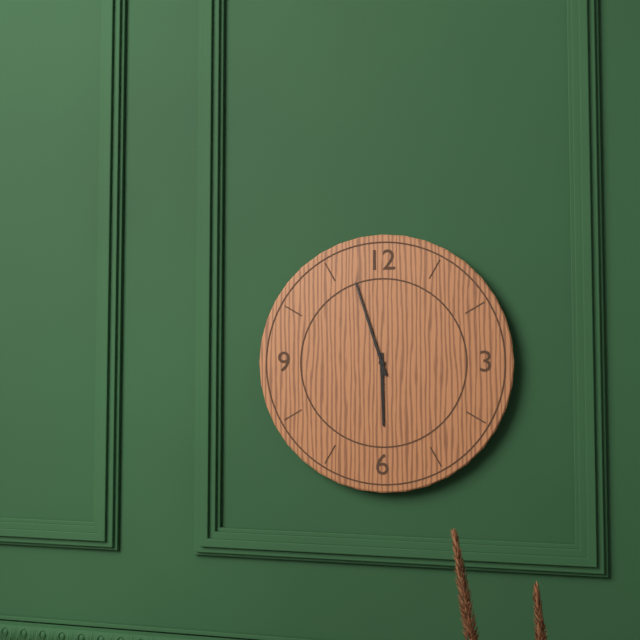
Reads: 5 h 57 min
